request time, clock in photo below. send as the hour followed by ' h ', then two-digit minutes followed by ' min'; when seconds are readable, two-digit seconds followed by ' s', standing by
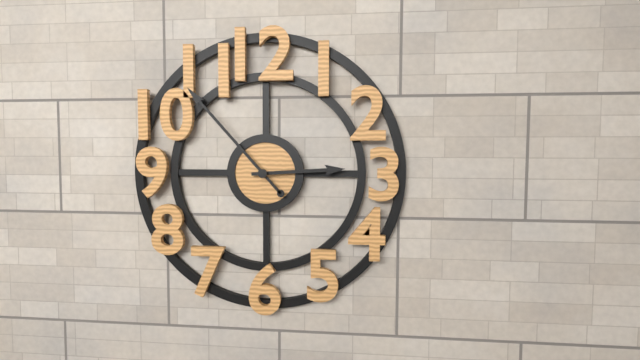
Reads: 2 h 53 min
